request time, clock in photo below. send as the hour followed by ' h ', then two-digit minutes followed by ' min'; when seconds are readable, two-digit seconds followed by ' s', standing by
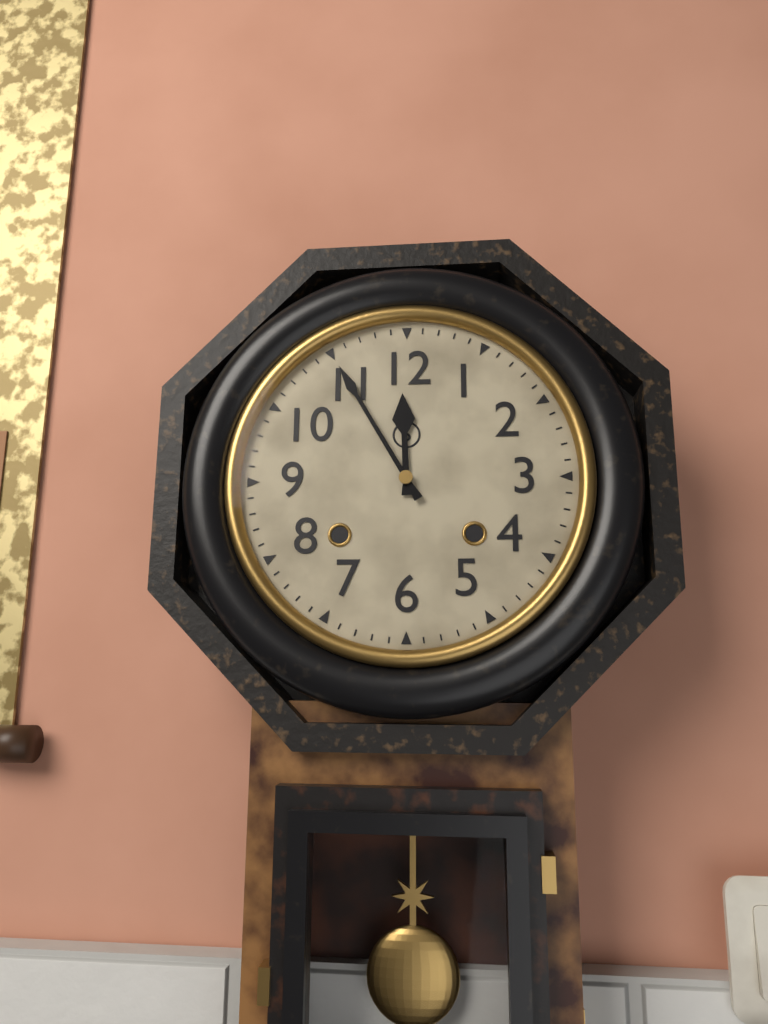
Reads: 11 h 55 min
